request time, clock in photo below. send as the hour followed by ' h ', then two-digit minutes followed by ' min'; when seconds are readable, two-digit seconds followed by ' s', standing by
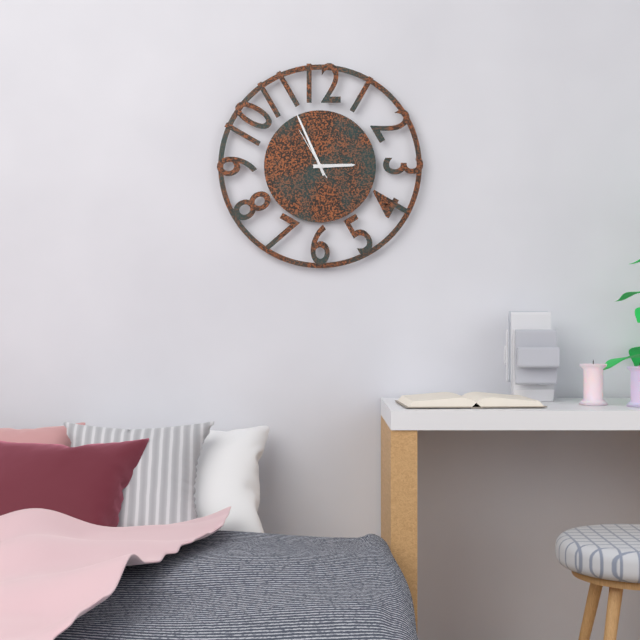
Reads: 2 h 56 min 55 s
